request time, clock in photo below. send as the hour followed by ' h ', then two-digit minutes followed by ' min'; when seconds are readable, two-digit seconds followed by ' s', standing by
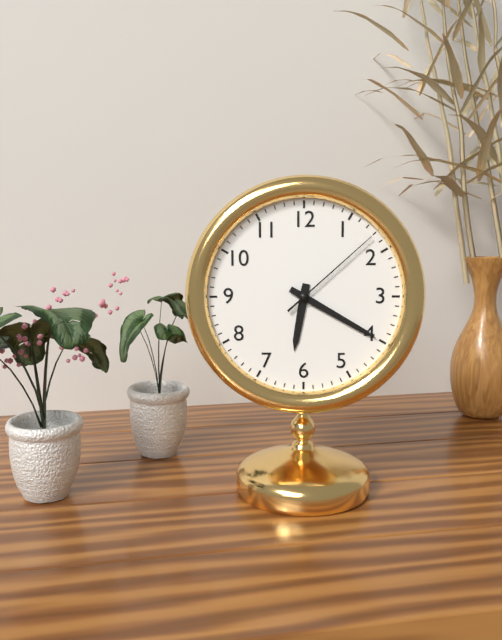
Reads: 6 h 20 min 08 s
